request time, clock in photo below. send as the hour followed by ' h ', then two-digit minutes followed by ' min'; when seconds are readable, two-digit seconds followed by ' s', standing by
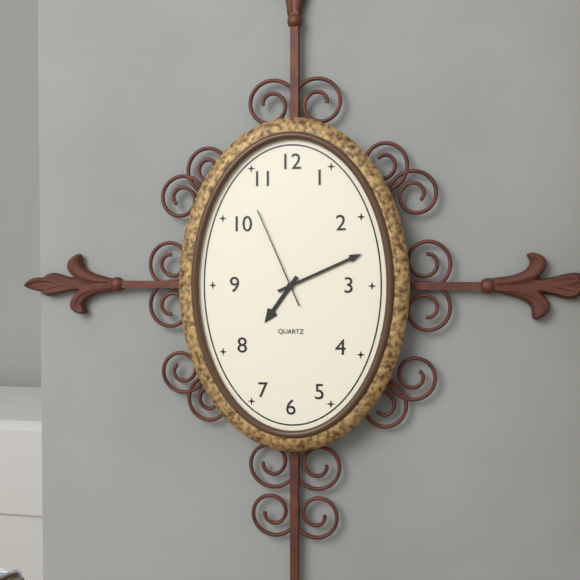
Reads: 7 h 11 min 56 s
